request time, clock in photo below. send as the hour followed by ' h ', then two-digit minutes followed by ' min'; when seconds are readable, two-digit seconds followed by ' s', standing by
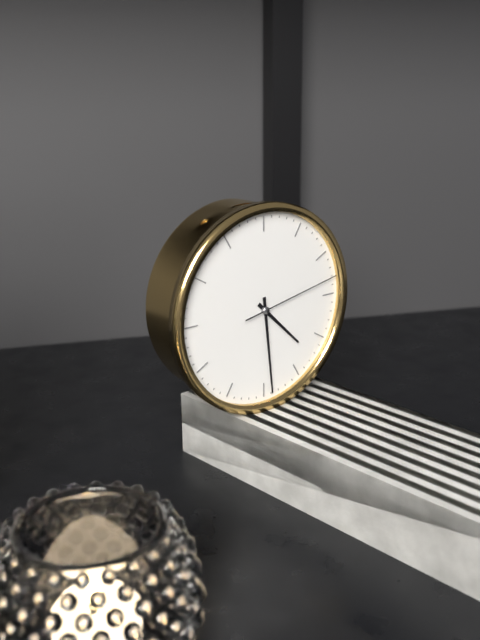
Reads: 4 h 29 min 13 s
